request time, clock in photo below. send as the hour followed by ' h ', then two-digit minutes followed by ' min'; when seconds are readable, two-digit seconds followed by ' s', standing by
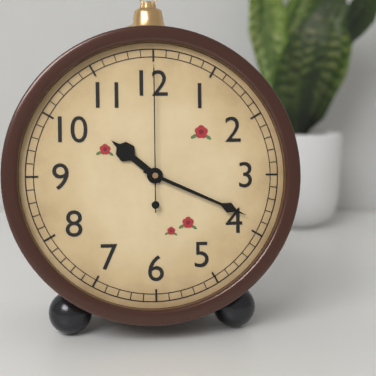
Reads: 10 h 19 min 00 s
